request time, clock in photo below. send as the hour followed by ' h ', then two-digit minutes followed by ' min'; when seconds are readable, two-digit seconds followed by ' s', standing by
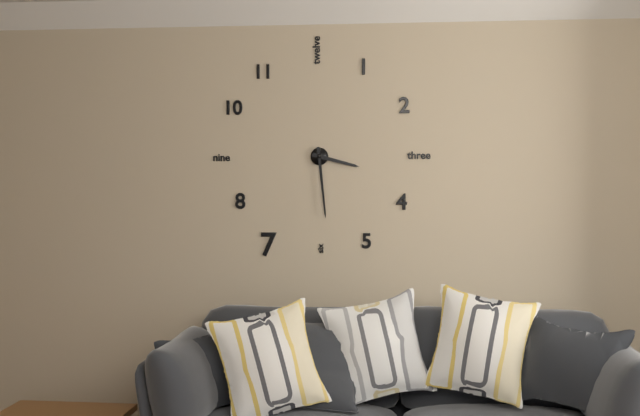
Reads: 3 h 29 min
